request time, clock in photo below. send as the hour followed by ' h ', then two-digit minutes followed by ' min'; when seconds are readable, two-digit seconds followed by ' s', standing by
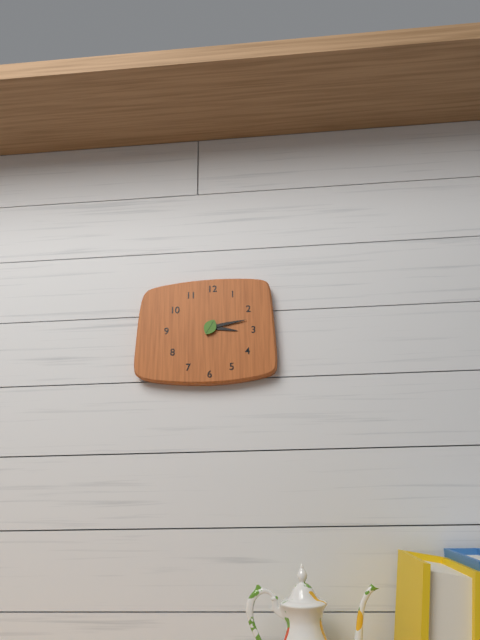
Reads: 3 h 13 min
